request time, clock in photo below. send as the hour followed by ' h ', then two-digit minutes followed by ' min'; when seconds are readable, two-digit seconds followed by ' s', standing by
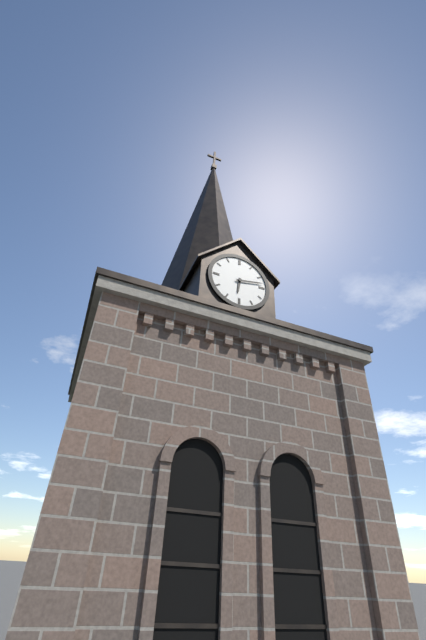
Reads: 6 h 13 min
